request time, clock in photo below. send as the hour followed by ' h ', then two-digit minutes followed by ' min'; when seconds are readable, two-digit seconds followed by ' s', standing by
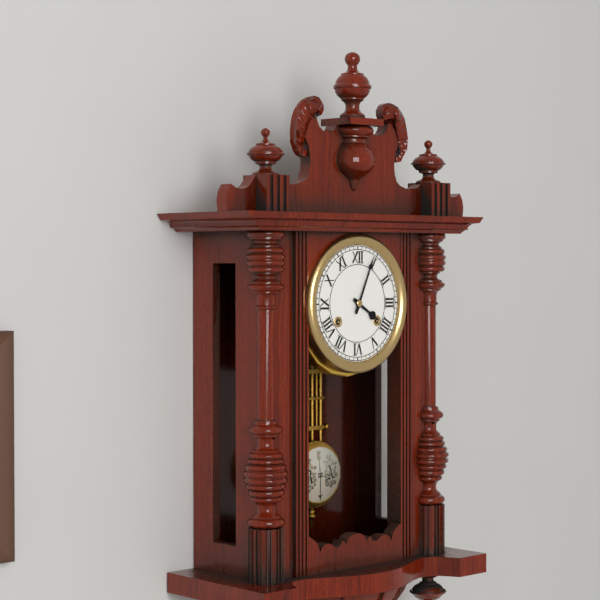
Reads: 4 h 04 min
